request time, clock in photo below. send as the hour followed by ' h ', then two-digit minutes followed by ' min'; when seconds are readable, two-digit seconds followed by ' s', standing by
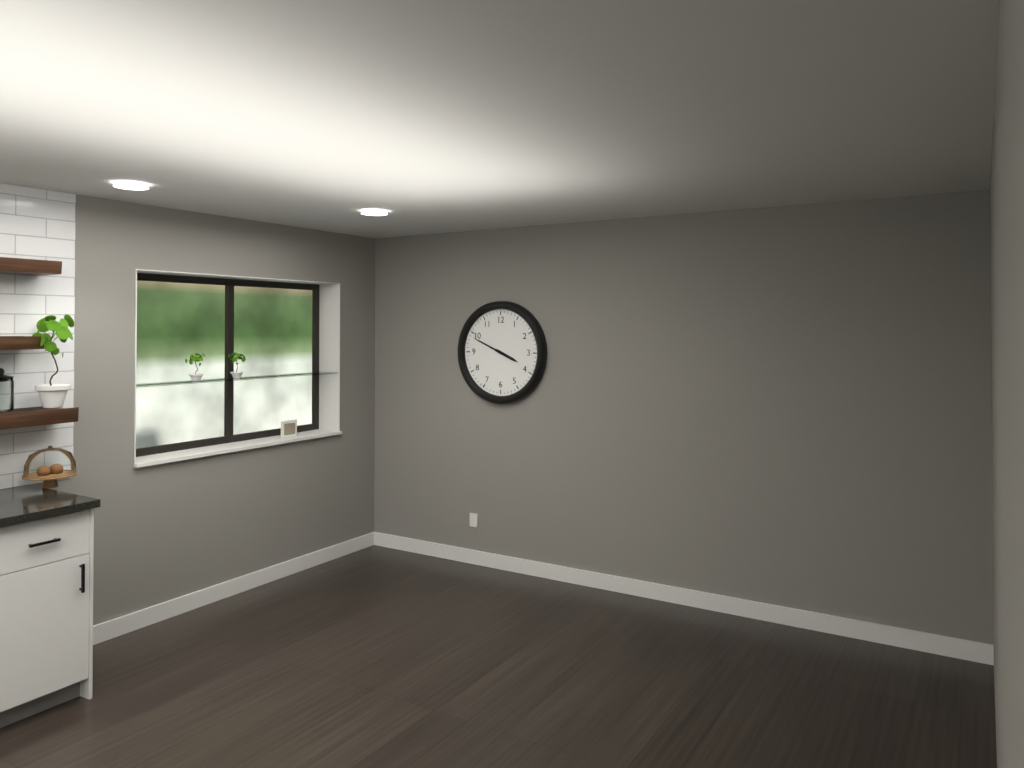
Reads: 3 h 49 min
